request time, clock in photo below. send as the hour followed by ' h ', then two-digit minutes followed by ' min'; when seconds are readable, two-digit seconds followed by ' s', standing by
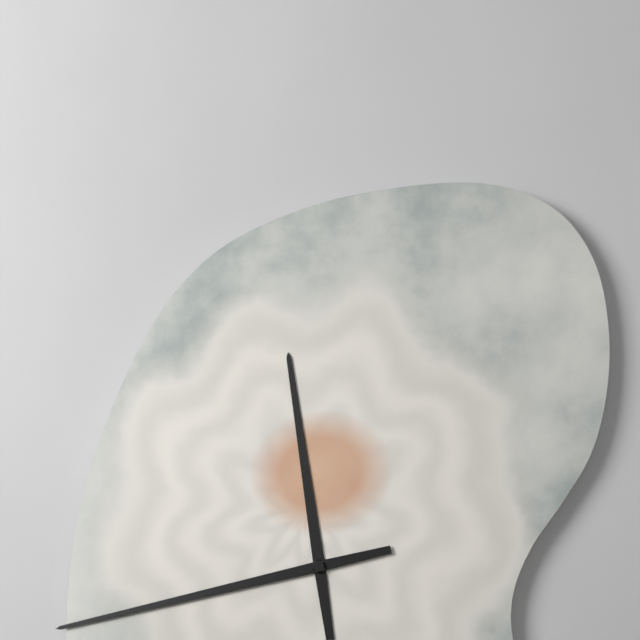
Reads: 11 h 43 min
